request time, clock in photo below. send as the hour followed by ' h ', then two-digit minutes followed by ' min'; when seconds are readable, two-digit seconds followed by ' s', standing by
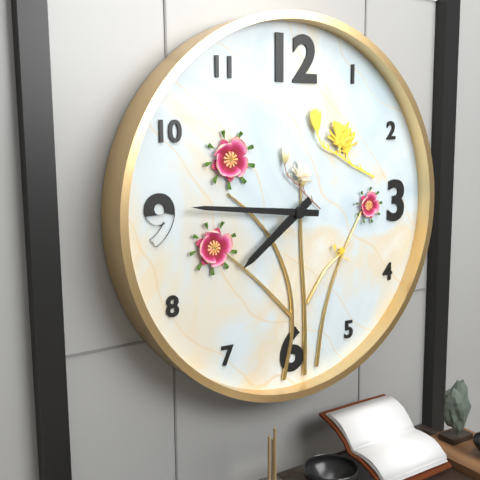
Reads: 7 h 46 min
